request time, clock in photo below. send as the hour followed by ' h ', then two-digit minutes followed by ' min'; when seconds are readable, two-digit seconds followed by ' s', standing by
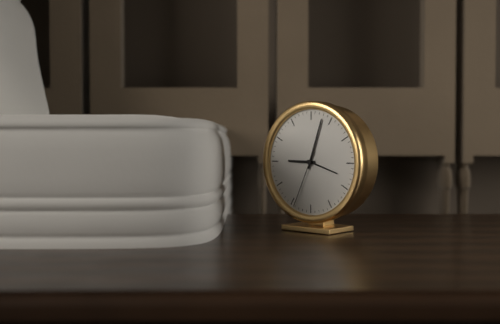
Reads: 9 h 03 min 34 s
